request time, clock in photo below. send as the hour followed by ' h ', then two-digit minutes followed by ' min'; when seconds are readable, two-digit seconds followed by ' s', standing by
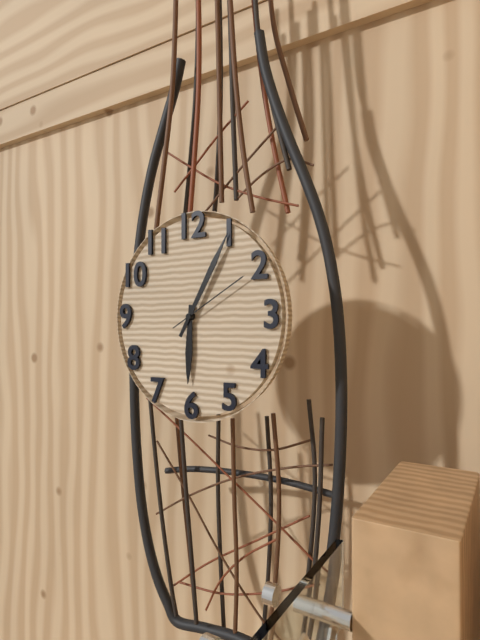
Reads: 6 h 05 min 10 s
